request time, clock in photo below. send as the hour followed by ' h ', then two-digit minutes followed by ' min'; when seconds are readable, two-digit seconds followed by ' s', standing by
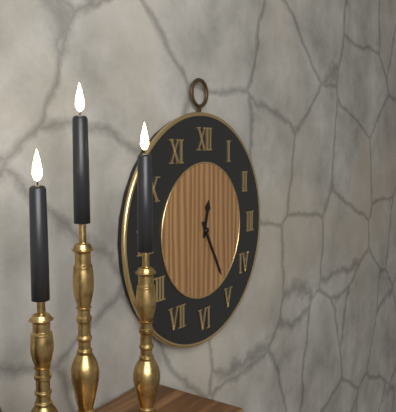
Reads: 12 h 25 min
